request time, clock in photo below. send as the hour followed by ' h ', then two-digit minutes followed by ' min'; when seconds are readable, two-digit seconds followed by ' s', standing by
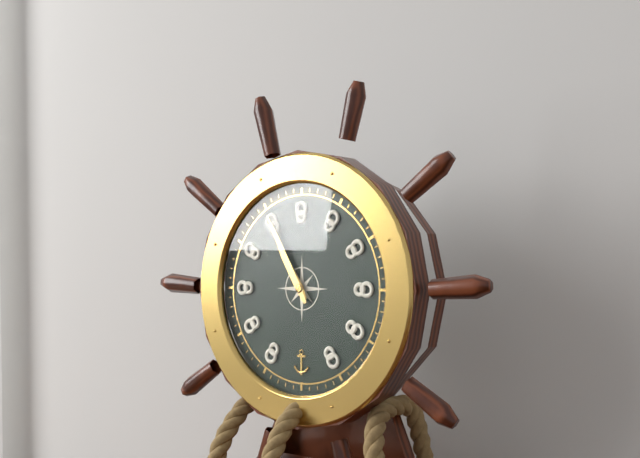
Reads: 10 h 55 min
